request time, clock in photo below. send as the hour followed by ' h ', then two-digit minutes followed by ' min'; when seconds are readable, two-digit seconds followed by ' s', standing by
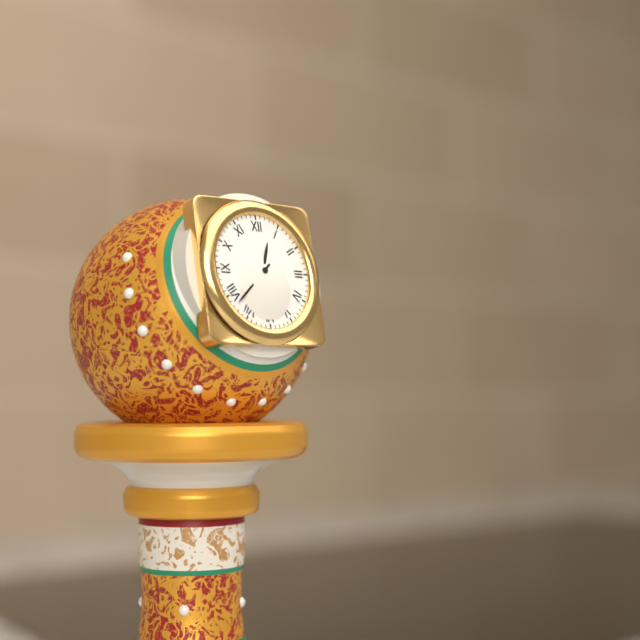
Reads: 12 h 38 min
